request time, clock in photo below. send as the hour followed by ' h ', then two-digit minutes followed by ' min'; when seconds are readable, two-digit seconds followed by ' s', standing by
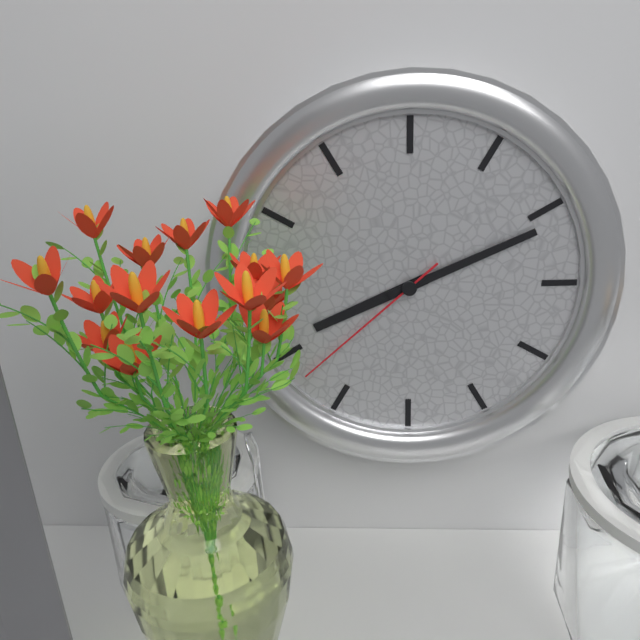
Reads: 8 h 11 min 38 s
